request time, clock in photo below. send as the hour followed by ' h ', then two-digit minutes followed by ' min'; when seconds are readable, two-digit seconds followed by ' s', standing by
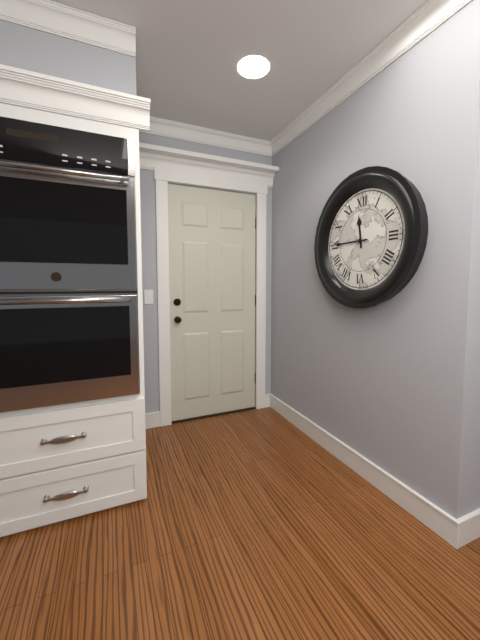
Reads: 11 h 45 min
